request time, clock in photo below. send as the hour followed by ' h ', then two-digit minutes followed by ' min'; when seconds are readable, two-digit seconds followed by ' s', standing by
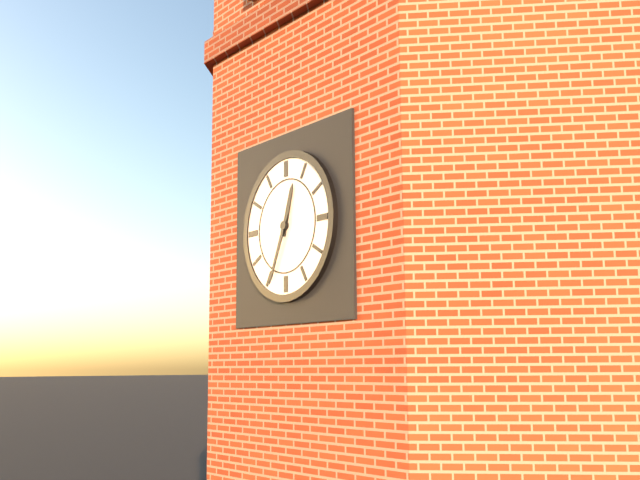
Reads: 12 h 34 min
